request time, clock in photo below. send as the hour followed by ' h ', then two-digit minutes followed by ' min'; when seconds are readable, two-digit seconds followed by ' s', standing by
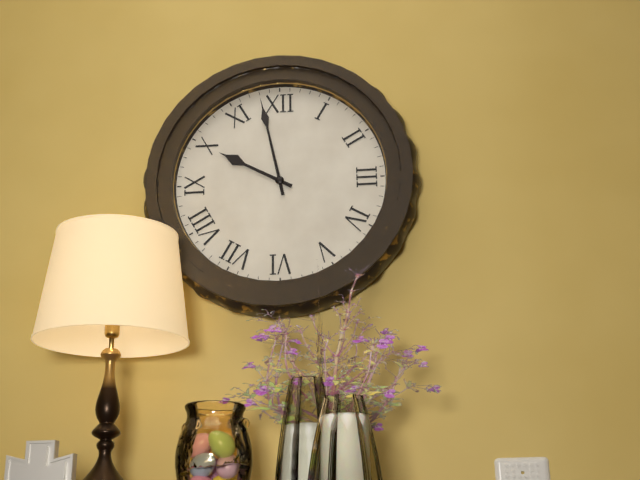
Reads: 9 h 58 min
